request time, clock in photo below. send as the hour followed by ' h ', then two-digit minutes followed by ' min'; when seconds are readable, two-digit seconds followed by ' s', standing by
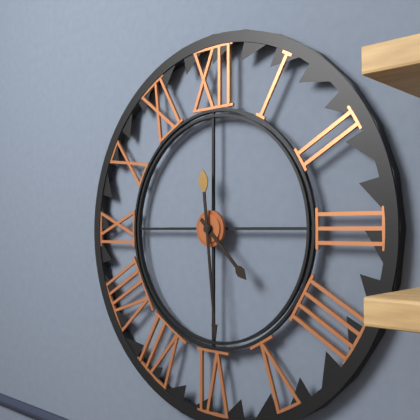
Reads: 4 h 29 min
